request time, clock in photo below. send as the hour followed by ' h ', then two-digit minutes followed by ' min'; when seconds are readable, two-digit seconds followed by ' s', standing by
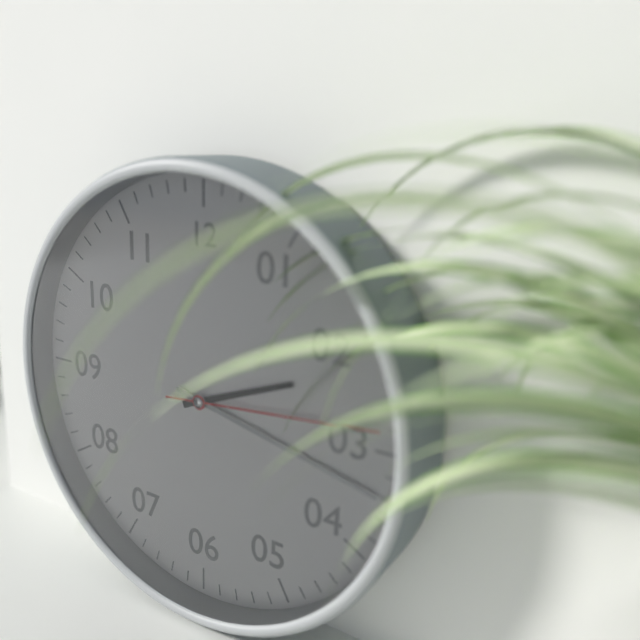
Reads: 2 h 17 min 14 s
